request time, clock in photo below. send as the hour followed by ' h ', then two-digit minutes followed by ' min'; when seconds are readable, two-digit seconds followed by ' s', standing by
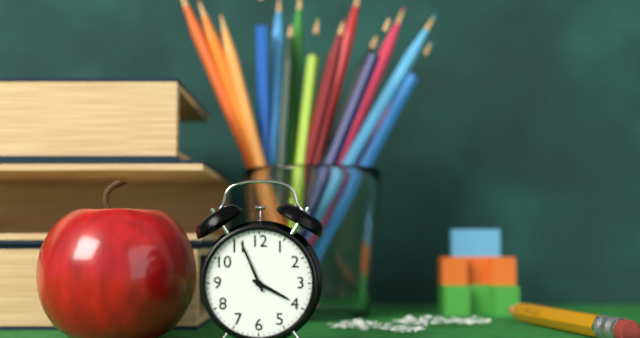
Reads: 3 h 56 min
